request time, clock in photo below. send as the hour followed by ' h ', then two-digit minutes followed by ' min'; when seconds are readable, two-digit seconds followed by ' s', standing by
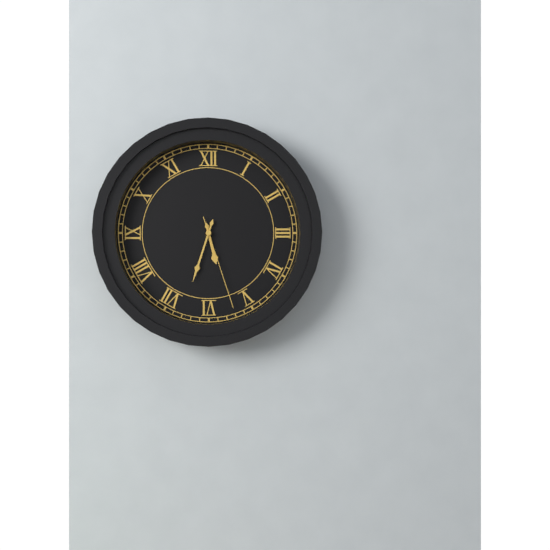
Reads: 5 h 33 min 27 s
